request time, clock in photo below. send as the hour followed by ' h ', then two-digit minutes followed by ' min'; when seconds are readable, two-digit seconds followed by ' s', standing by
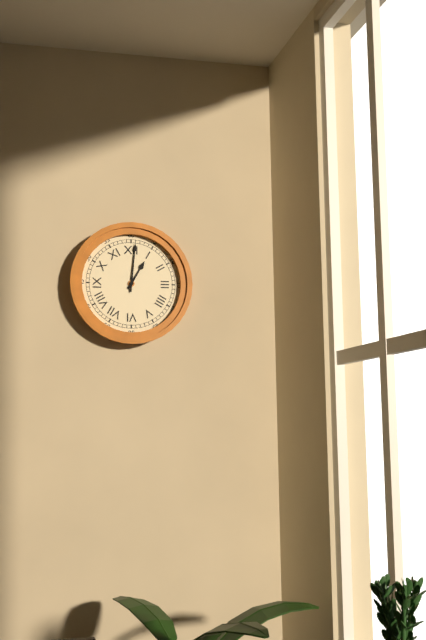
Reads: 1 h 01 min
